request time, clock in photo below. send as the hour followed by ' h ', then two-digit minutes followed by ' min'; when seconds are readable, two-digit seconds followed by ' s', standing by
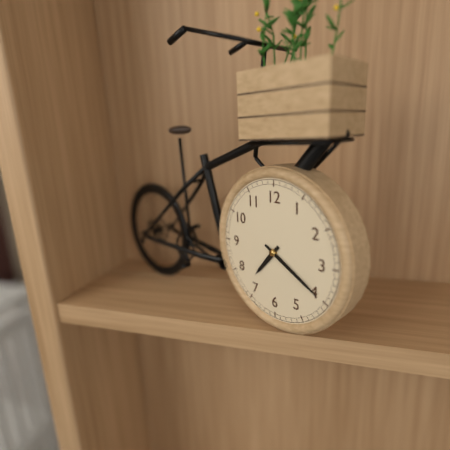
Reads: 7 h 20 min
